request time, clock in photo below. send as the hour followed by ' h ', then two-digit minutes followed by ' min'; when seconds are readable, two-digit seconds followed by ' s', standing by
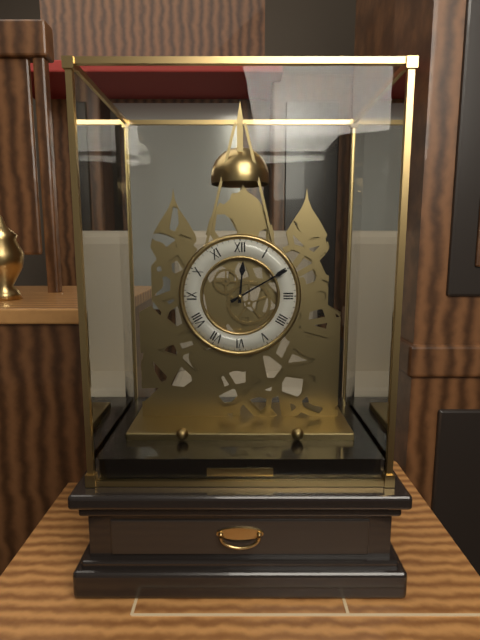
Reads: 12 h 10 min
